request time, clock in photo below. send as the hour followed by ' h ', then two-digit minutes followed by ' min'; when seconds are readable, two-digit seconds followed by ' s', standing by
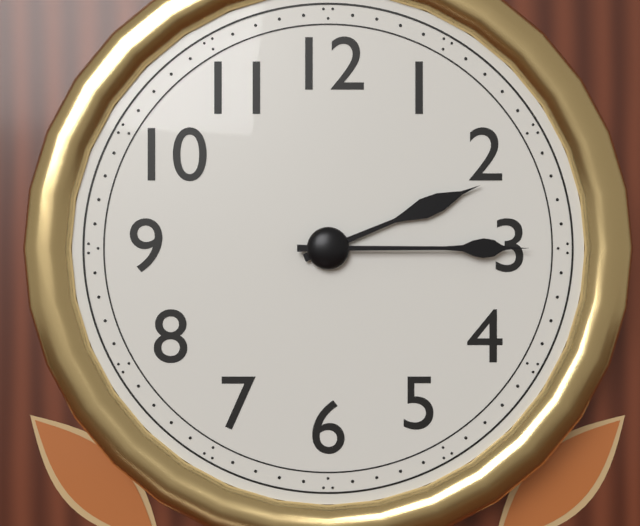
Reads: 2 h 15 min
